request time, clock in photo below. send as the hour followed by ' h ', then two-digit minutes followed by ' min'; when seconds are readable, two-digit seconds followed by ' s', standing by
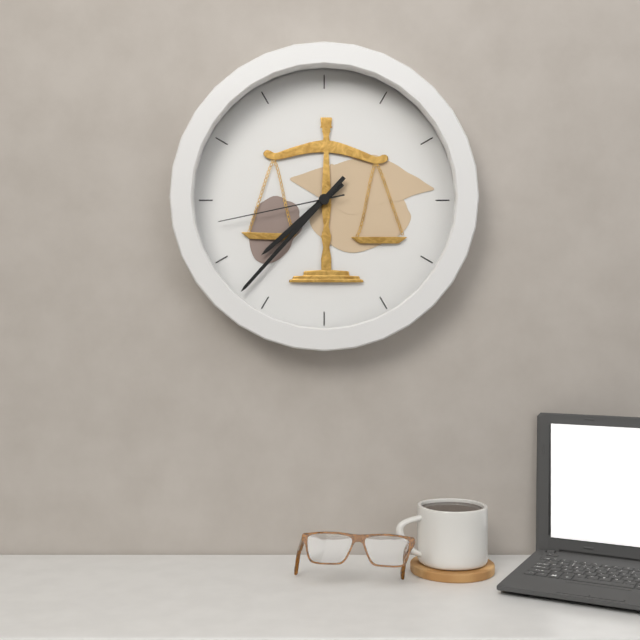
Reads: 7 h 37 min 43 s
